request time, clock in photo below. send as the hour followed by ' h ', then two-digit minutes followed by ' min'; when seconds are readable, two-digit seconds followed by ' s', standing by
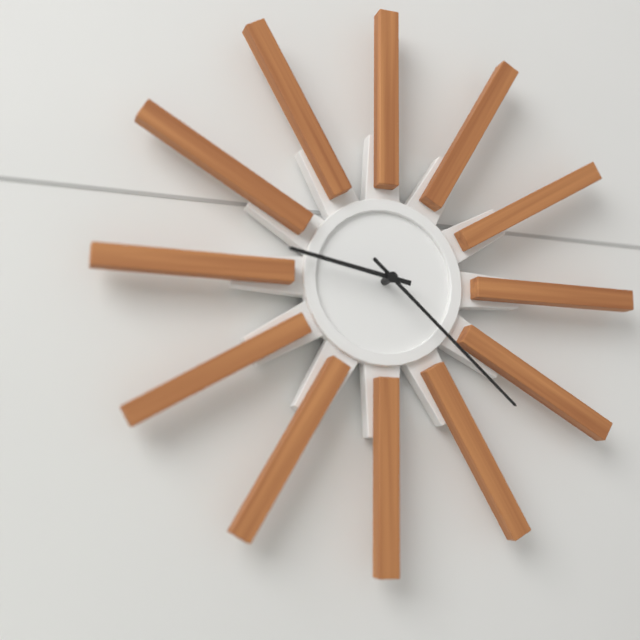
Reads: 9 h 22 min
